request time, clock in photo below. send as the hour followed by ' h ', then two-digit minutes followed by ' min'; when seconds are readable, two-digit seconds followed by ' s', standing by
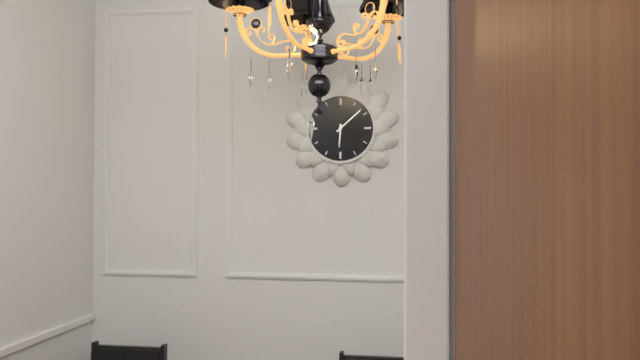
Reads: 6 h 08 min
